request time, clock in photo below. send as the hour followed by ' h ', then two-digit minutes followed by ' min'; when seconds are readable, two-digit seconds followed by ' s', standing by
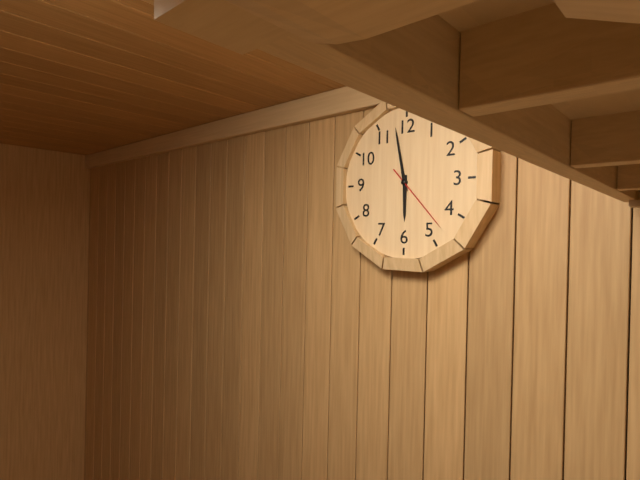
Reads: 5 h 58 min 23 s
